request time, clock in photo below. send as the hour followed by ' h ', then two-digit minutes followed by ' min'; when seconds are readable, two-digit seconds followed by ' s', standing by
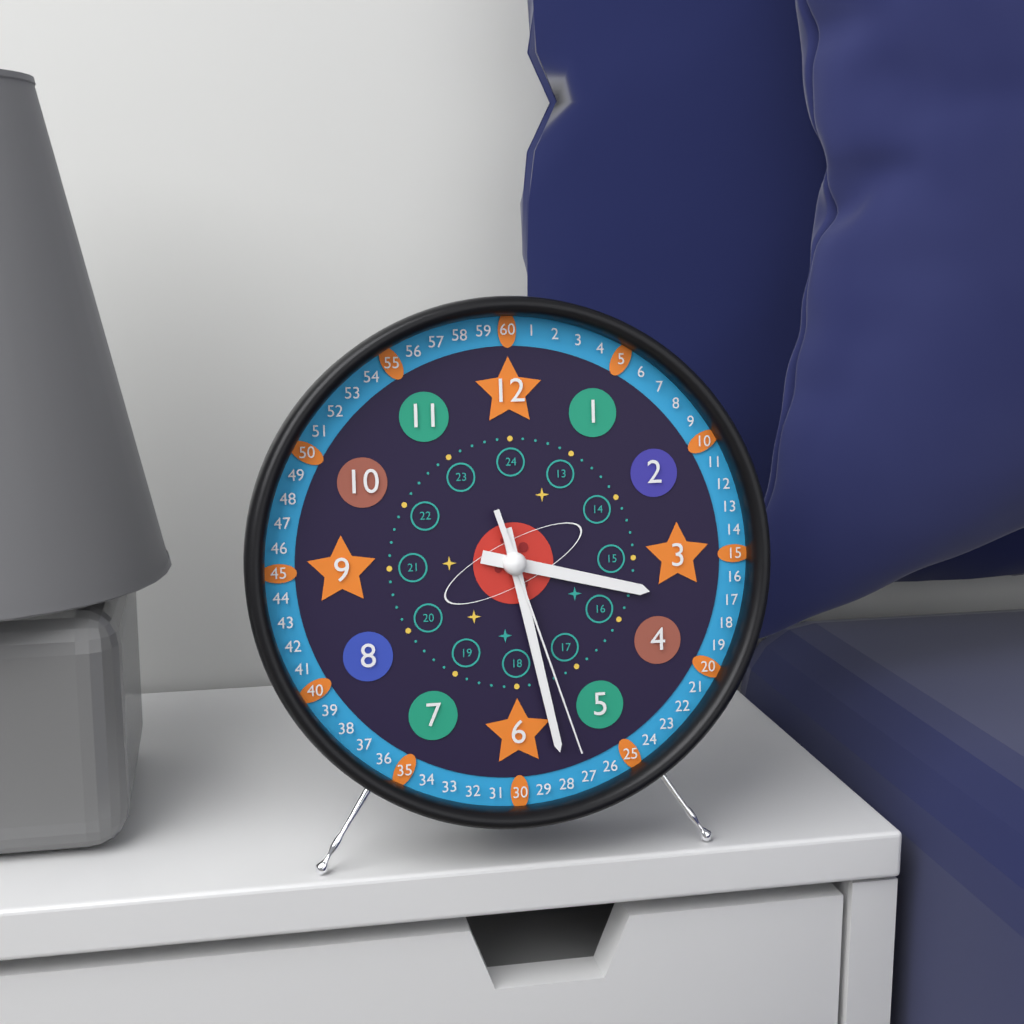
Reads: 3 h 28 min 27 s
